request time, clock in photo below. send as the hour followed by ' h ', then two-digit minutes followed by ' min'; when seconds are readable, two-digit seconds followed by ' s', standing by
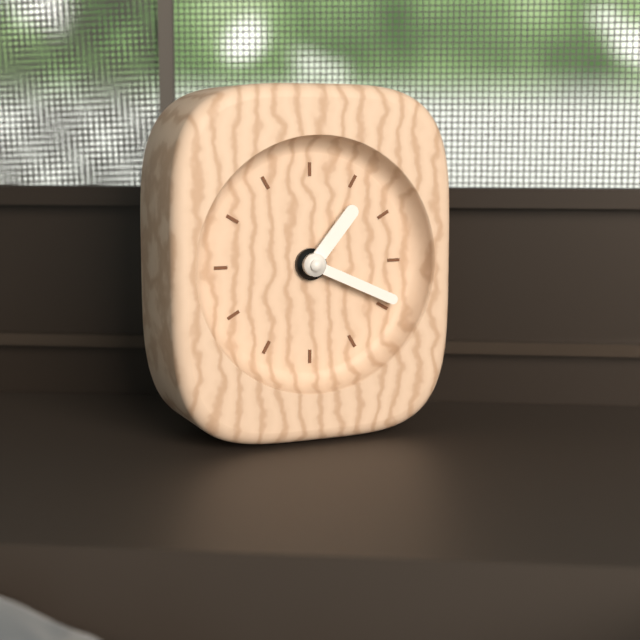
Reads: 1 h 19 min
